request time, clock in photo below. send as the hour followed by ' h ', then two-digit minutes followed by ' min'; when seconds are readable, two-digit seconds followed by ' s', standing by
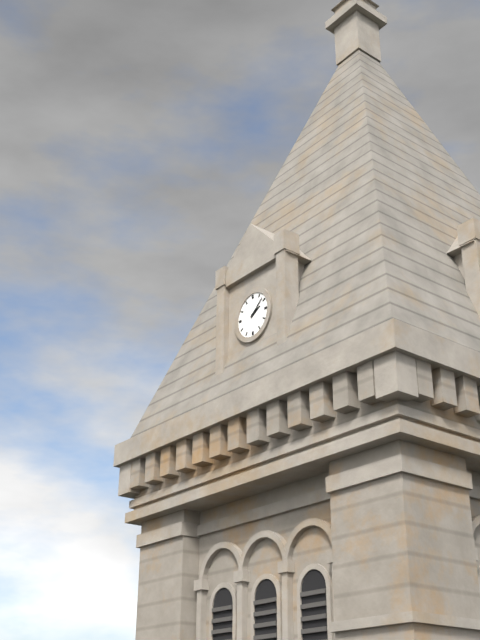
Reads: 2 h 08 min
